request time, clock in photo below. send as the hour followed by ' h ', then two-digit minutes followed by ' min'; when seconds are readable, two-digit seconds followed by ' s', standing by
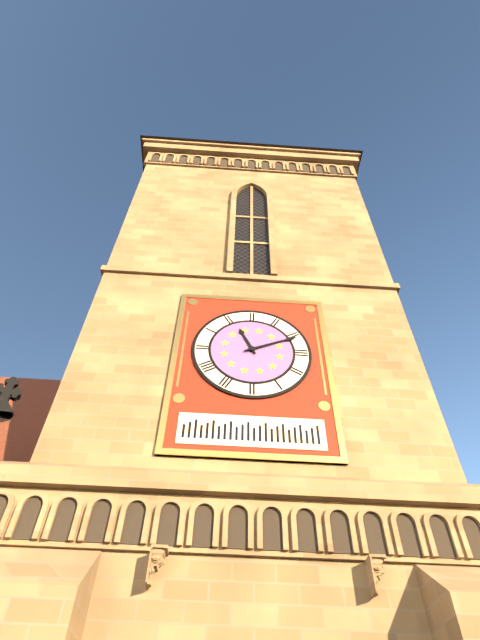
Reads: 11 h 11 min
